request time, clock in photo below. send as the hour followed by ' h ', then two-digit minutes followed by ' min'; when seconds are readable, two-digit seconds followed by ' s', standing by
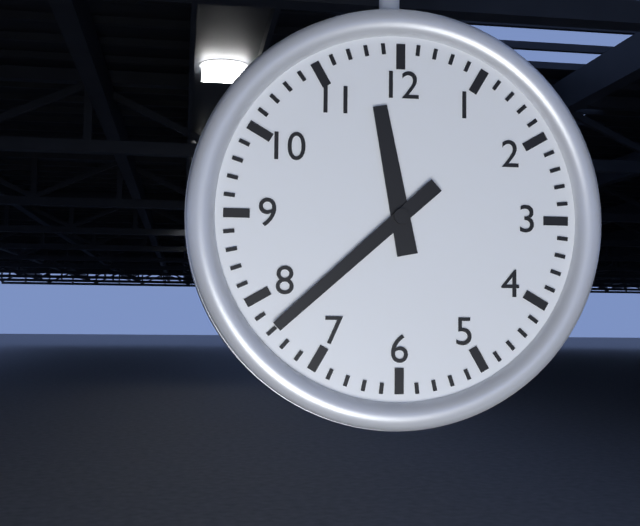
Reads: 11 h 38 min
